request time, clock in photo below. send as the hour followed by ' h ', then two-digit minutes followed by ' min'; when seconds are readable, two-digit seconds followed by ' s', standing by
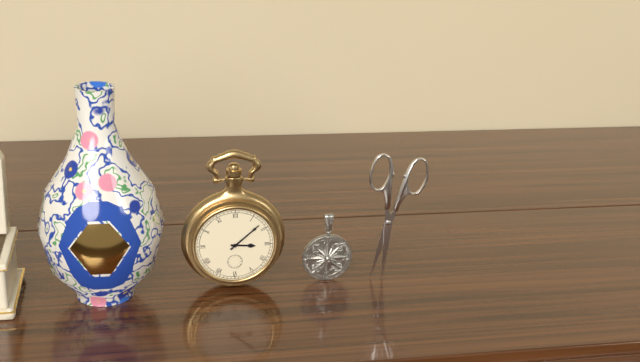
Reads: 3 h 08 min
